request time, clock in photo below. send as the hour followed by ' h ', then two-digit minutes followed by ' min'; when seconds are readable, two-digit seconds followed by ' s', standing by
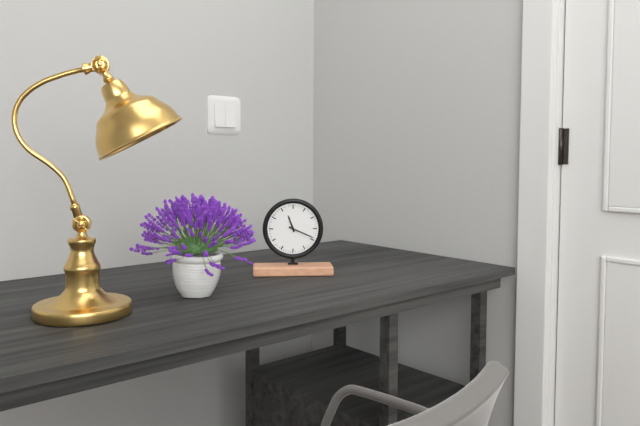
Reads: 11 h 19 min
